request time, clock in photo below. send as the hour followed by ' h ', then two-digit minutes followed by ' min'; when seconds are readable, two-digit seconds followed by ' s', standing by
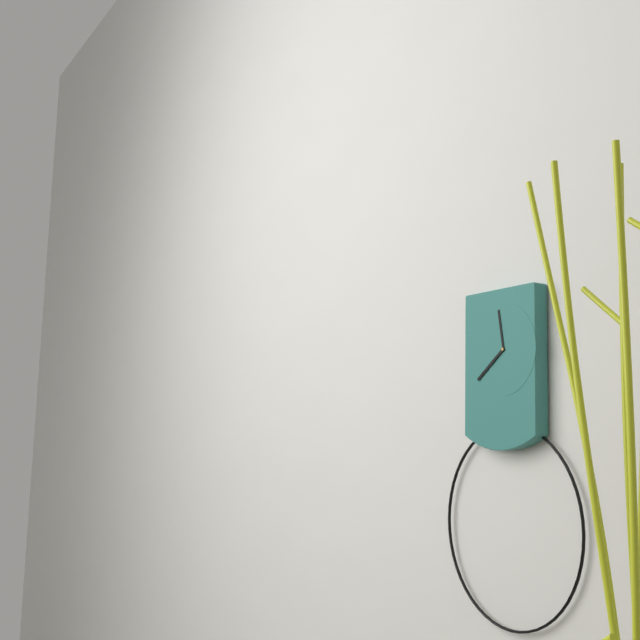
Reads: 11 h 39 min
